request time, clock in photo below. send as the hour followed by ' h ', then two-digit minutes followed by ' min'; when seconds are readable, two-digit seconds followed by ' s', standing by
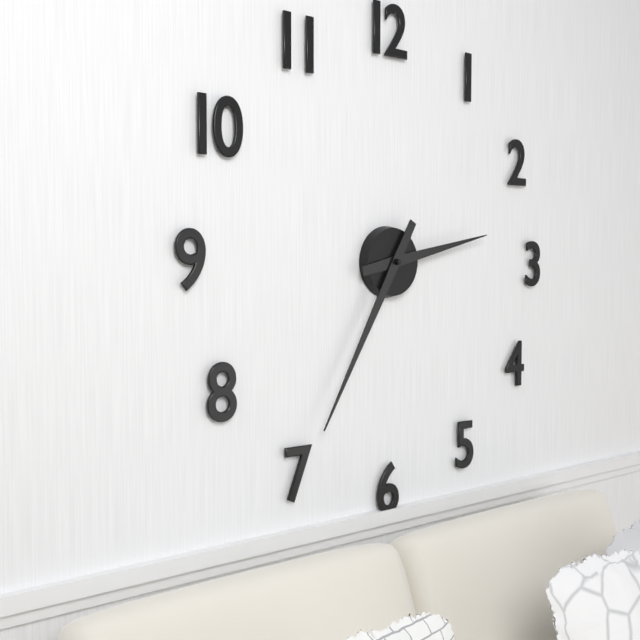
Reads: 2 h 35 min
